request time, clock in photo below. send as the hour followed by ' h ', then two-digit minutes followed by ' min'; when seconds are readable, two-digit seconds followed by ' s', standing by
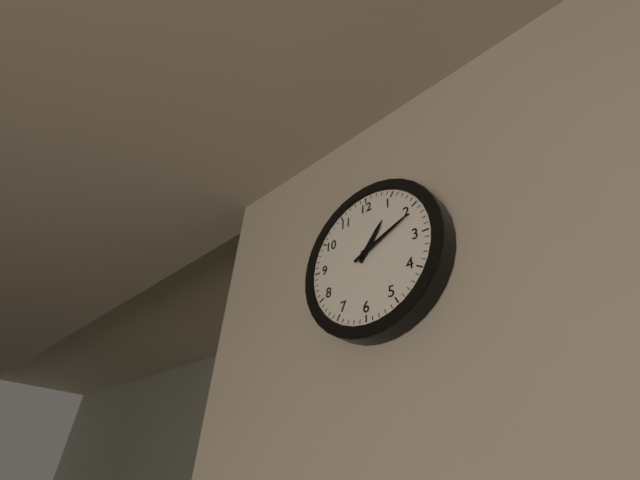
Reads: 1 h 11 min
